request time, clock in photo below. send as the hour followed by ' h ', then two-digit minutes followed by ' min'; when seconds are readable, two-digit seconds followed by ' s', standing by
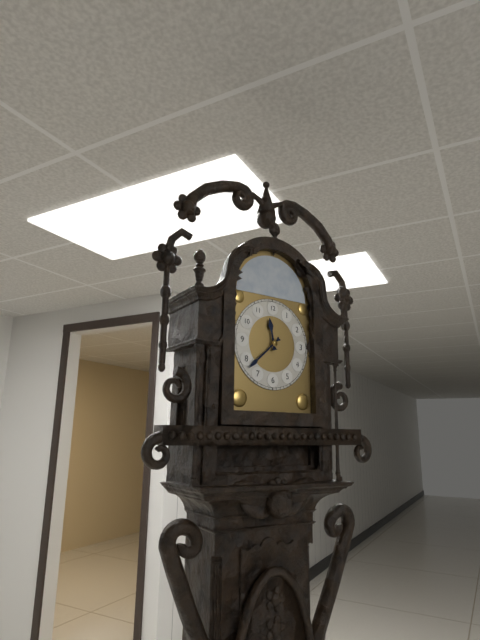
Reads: 11 h 38 min
